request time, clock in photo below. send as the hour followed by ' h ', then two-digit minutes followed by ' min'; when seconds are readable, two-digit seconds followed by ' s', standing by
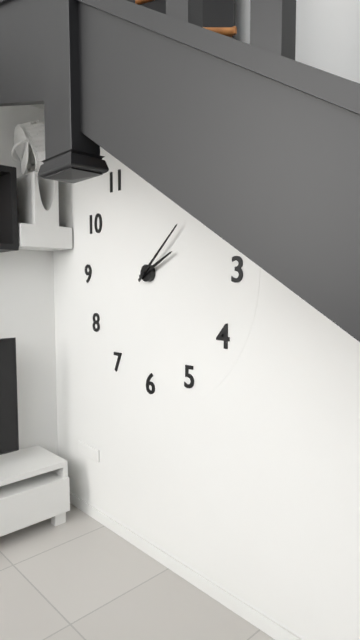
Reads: 2 h 08 min
